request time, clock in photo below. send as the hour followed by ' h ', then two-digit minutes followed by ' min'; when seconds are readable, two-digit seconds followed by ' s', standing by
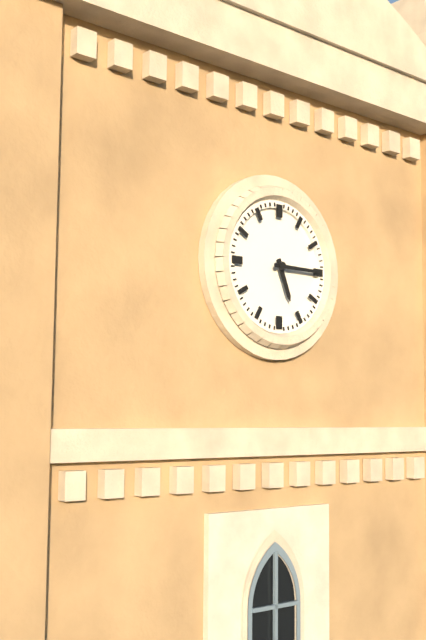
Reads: 5 h 15 min
